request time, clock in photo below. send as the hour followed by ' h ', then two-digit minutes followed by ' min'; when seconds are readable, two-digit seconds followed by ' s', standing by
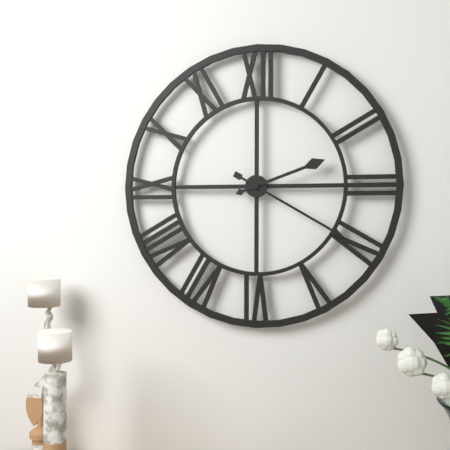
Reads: 2 h 20 min
